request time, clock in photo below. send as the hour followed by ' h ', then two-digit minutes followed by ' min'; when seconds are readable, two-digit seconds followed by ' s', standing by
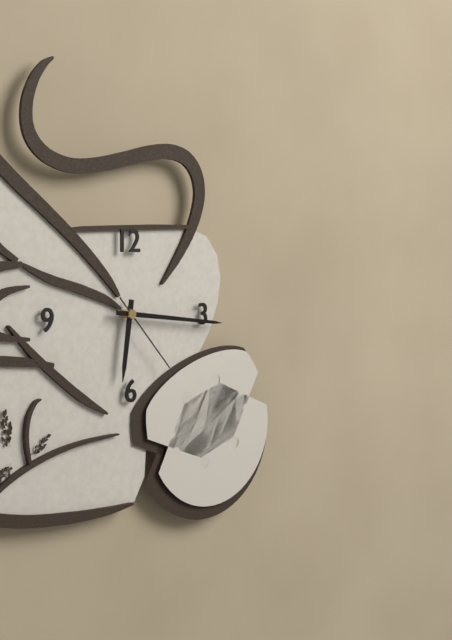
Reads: 6 h 16 min 23 s
